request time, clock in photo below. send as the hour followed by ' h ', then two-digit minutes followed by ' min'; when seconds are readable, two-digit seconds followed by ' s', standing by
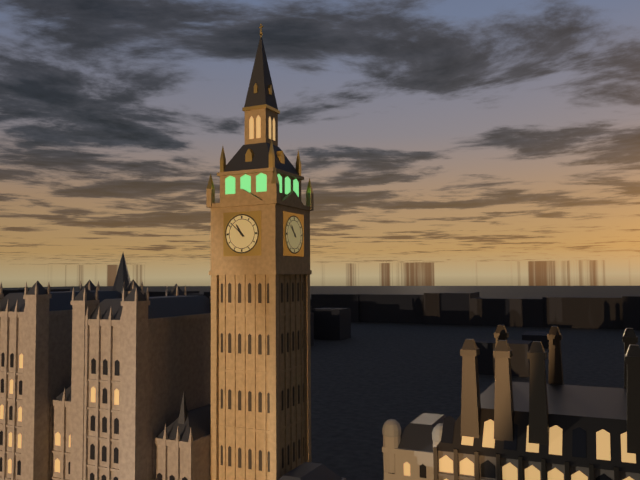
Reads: 10 h 52 min
